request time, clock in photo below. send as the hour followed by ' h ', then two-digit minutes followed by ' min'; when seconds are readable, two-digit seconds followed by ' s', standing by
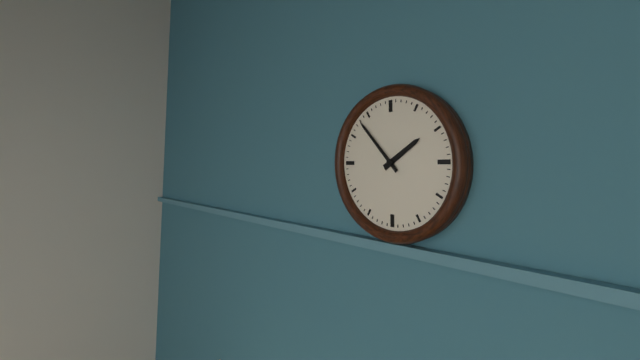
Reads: 1 h 53 min
